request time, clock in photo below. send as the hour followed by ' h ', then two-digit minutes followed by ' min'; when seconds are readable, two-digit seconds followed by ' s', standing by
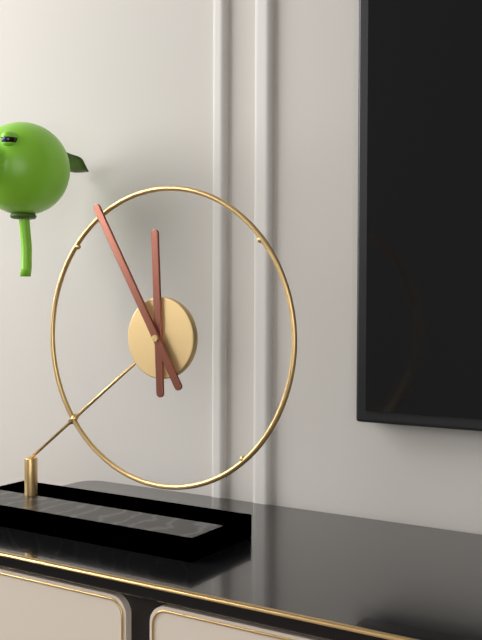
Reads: 11 h 55 min
